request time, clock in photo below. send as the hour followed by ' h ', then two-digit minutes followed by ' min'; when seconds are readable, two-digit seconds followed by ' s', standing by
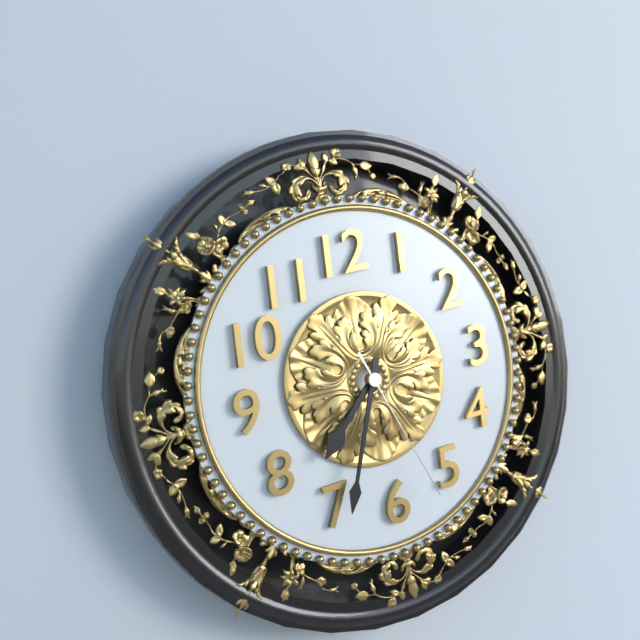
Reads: 7 h 34 min 27 s
